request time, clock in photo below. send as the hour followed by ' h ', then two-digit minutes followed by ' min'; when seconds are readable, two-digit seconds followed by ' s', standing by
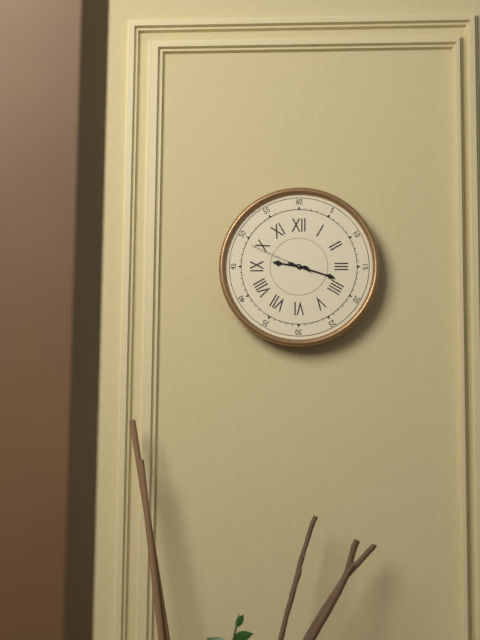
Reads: 9 h 18 min 49 s
